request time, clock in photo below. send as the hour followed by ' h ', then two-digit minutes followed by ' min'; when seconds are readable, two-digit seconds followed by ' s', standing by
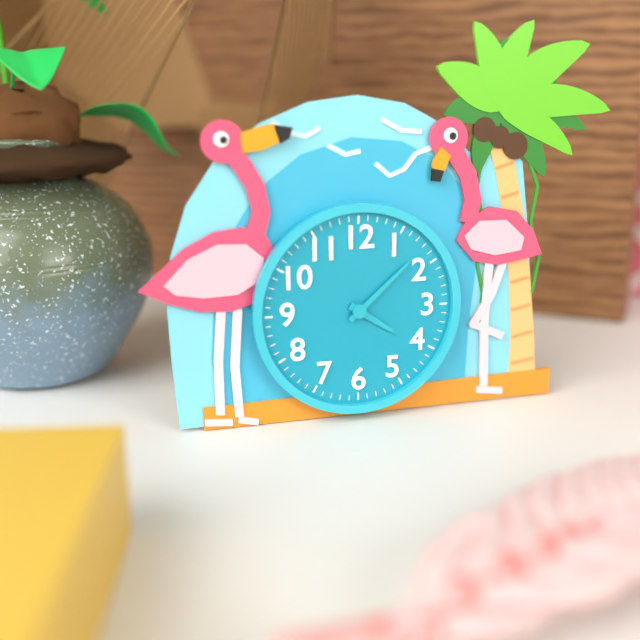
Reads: 4 h 08 min
